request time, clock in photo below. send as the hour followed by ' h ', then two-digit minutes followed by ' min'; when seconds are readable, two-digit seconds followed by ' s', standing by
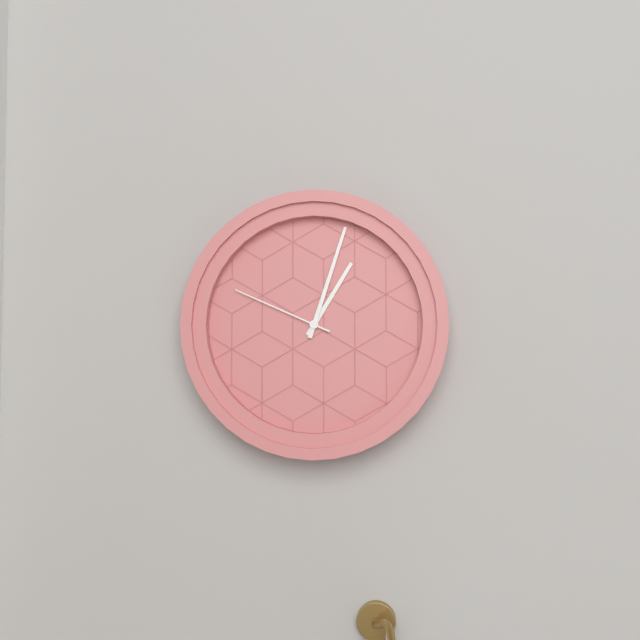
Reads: 1 h 03 min 49 s
